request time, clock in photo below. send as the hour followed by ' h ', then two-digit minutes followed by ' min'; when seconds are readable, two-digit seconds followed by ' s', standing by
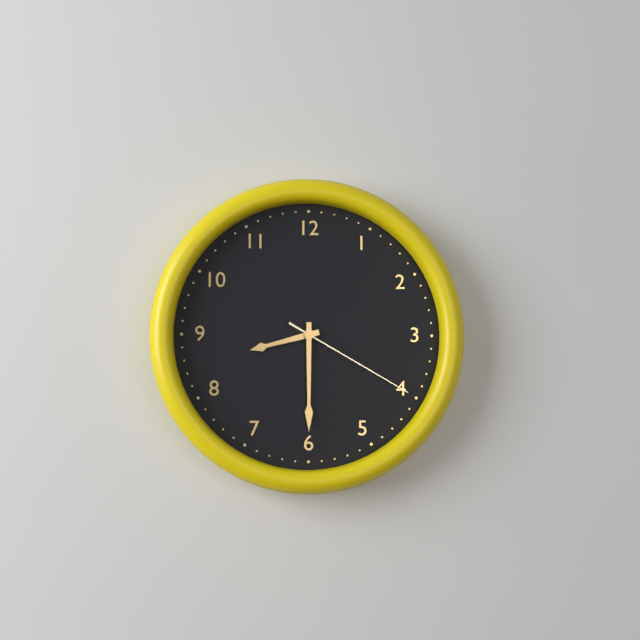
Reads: 8 h 30 min 20 s
